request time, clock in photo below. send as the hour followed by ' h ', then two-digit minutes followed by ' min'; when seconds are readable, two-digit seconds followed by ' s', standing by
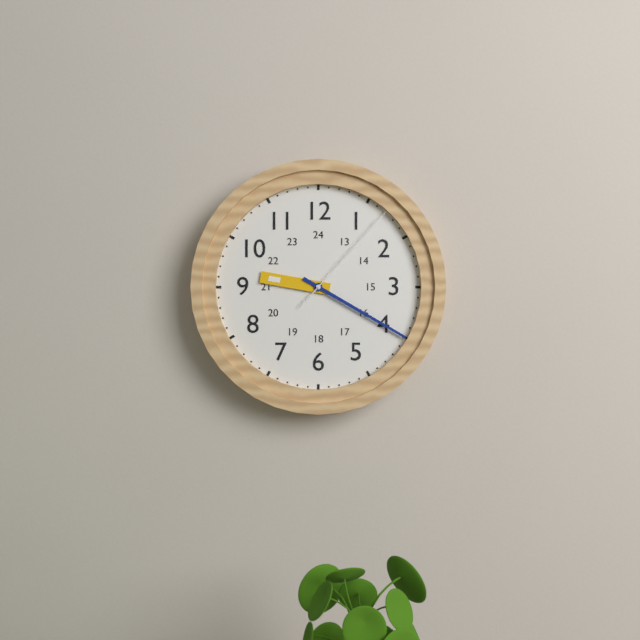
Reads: 9 h 20 min 07 s
